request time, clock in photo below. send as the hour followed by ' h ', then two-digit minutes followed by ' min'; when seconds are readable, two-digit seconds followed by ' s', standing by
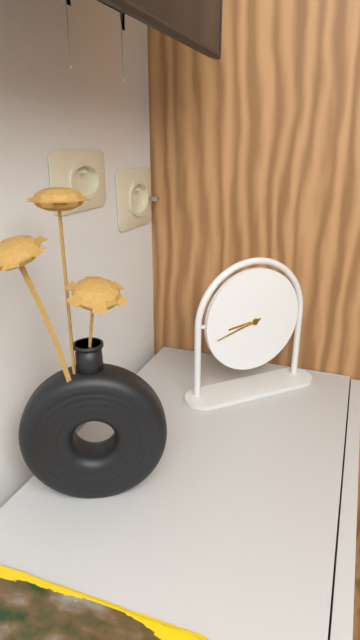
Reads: 8 h 42 min
